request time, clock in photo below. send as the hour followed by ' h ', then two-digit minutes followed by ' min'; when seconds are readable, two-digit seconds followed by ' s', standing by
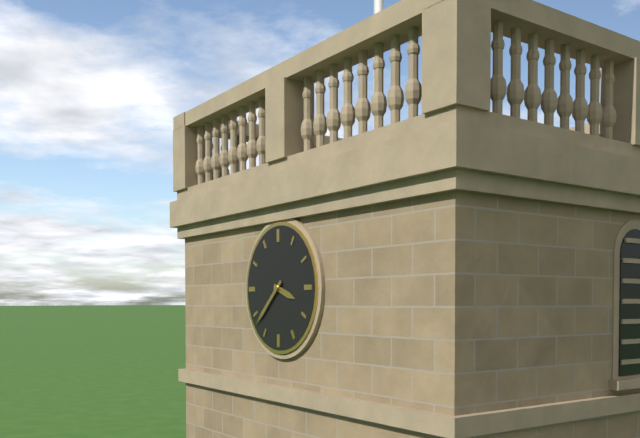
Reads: 3 h 38 min
